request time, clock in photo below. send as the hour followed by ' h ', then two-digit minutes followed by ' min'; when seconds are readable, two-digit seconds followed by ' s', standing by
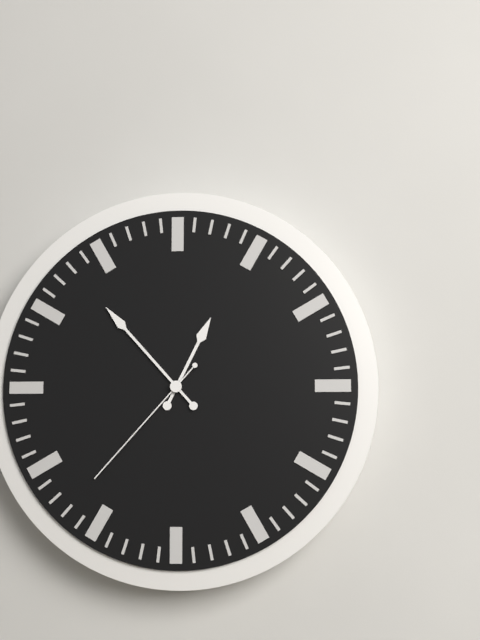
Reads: 12 h 53 min 37 s
